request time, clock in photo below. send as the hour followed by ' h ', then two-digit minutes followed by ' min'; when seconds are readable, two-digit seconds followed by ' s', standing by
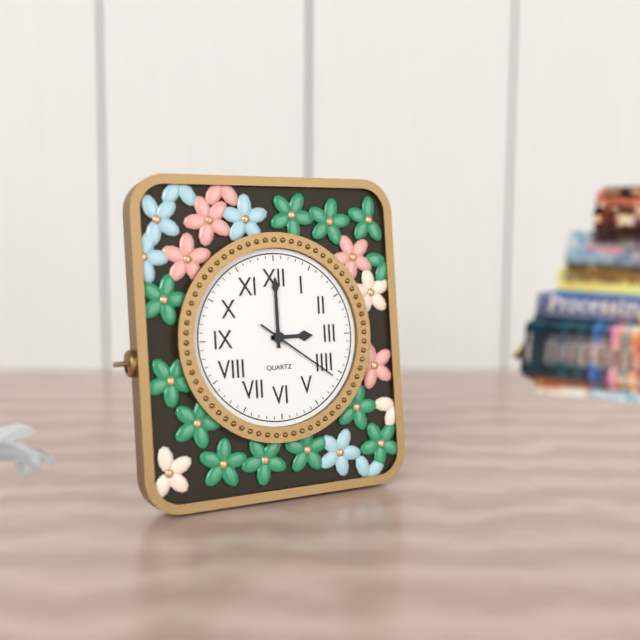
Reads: 3 h 00 min 21 s
